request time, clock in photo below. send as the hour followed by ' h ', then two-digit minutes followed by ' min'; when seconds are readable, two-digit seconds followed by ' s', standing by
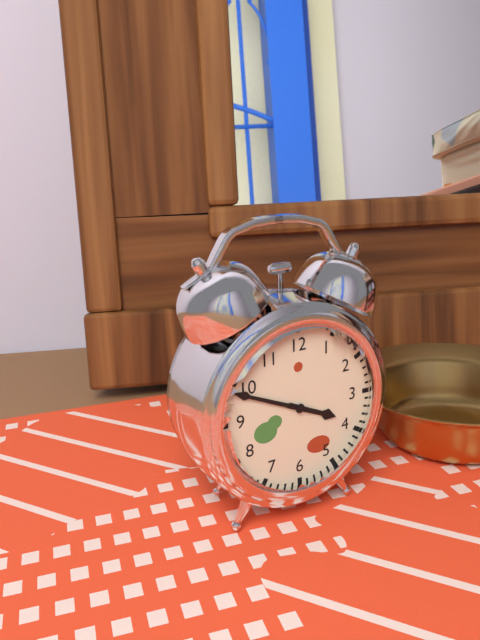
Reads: 3 h 49 min
